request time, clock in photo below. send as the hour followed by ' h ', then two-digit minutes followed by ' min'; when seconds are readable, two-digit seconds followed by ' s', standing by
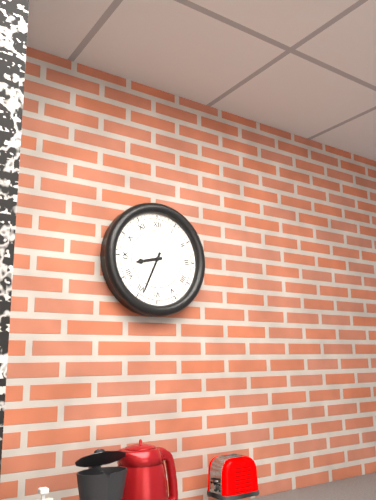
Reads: 8 h 34 min
